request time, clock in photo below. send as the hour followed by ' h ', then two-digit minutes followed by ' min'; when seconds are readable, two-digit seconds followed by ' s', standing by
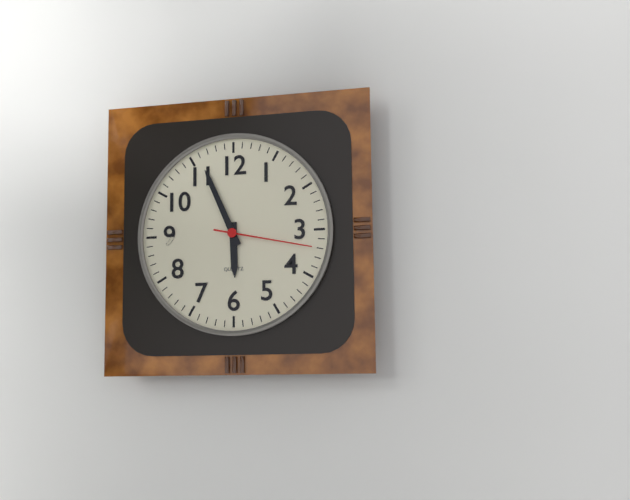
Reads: 5 h 56 min 17 s
